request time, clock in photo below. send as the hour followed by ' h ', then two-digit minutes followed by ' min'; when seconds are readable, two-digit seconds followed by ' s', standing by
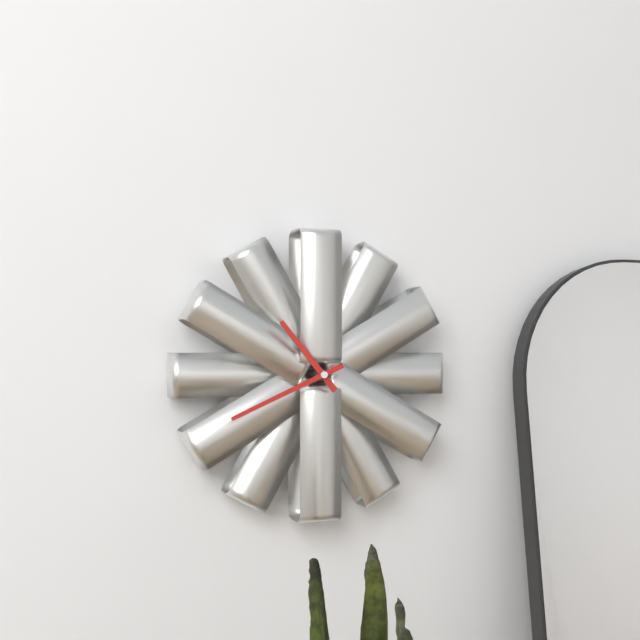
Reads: 10 h 41 min
